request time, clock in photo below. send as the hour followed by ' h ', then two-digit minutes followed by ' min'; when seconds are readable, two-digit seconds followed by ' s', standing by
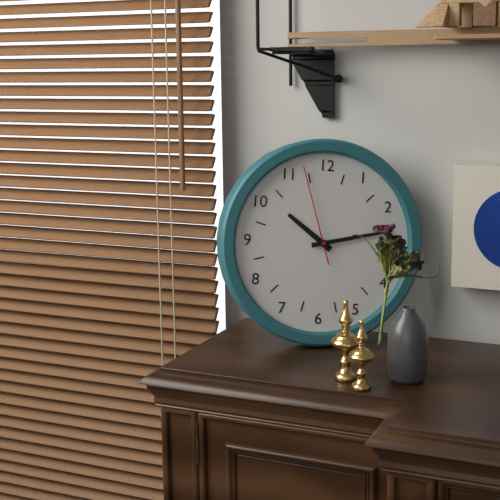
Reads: 10 h 13 min 57 s
